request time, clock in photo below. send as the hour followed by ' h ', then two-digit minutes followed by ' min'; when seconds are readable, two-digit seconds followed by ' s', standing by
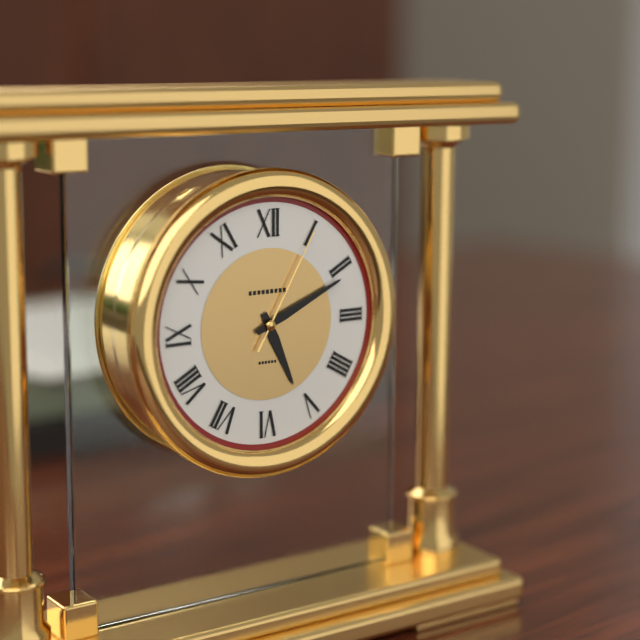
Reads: 5 h 11 min 05 s
